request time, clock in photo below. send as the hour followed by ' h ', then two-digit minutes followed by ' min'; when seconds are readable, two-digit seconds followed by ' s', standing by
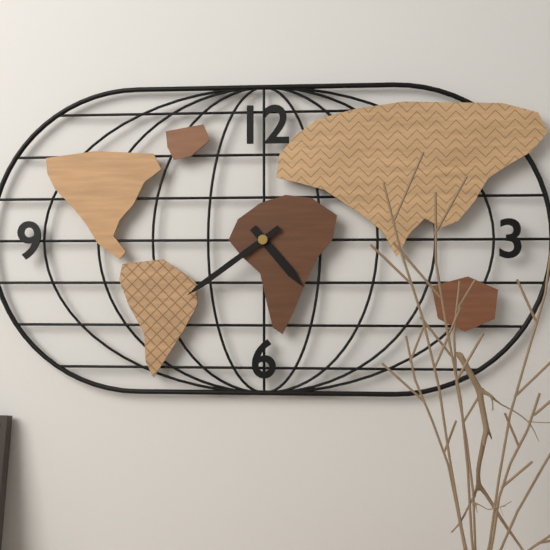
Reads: 4 h 39 min
